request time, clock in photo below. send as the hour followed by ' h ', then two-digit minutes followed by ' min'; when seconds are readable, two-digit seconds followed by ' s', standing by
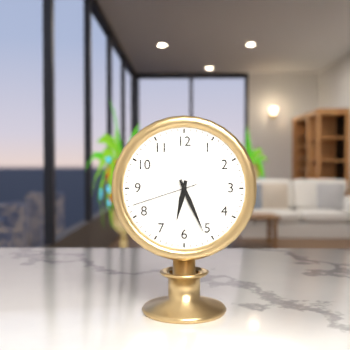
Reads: 6 h 26 min 42 s
